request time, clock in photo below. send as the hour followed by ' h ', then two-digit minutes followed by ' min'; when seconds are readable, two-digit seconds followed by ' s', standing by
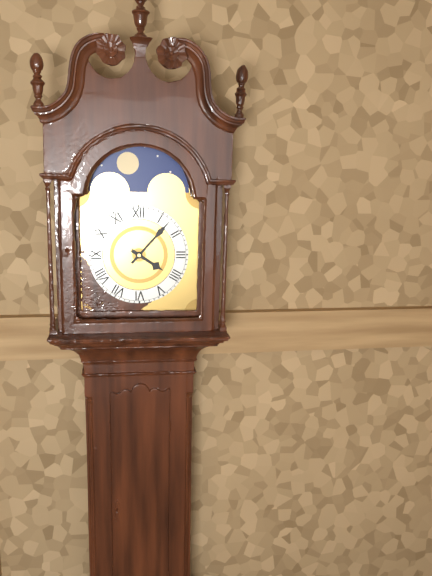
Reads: 4 h 07 min
